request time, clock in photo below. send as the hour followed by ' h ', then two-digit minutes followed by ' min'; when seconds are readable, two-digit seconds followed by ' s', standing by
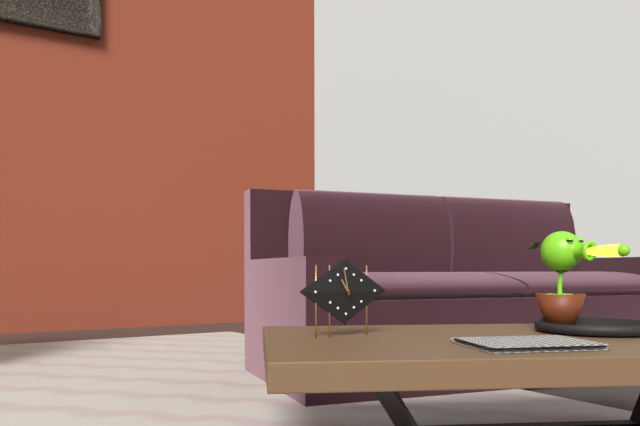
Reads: 10 h 58 min
